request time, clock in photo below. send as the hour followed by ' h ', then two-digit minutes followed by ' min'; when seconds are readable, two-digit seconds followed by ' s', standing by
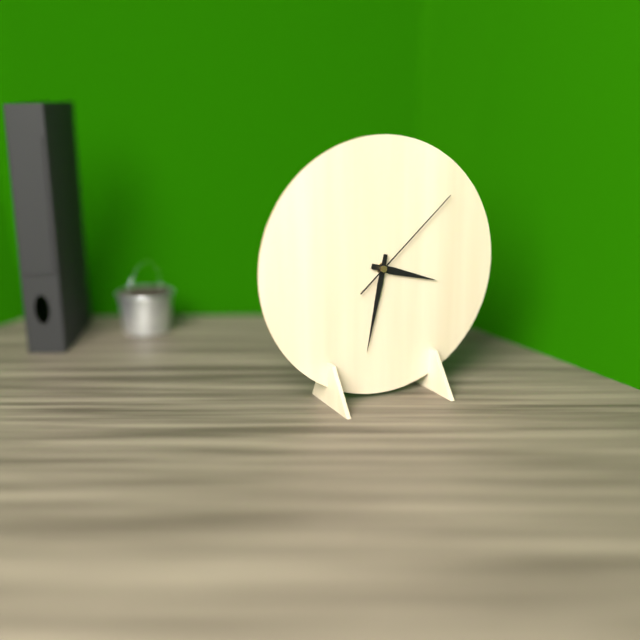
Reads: 3 h 32 min 08 s
